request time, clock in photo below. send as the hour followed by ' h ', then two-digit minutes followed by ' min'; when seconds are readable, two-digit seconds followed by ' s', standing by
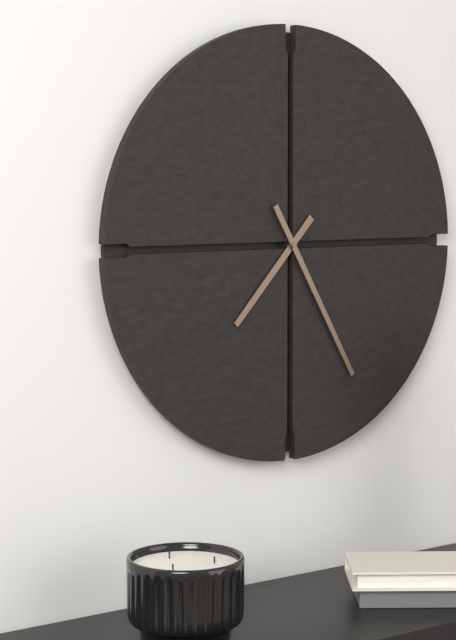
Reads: 7 h 25 min
